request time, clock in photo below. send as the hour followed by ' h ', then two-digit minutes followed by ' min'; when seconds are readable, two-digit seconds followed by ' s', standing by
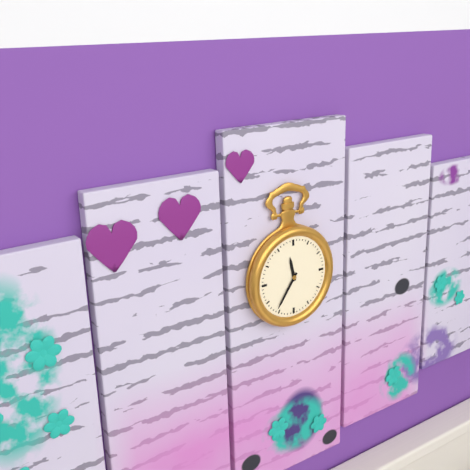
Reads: 11 h 36 min
